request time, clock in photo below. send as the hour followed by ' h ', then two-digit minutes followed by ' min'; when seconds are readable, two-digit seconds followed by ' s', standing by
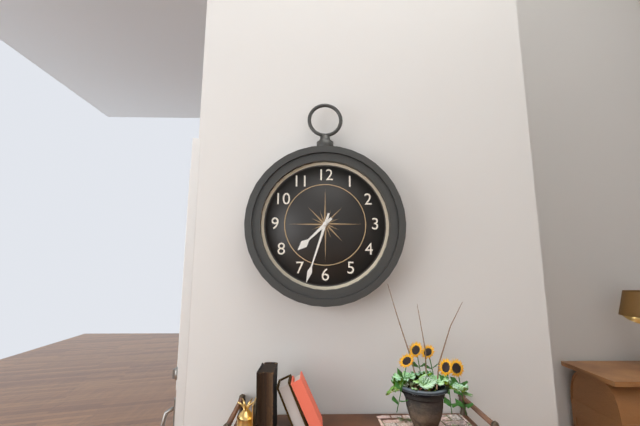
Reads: 7 h 33 min
